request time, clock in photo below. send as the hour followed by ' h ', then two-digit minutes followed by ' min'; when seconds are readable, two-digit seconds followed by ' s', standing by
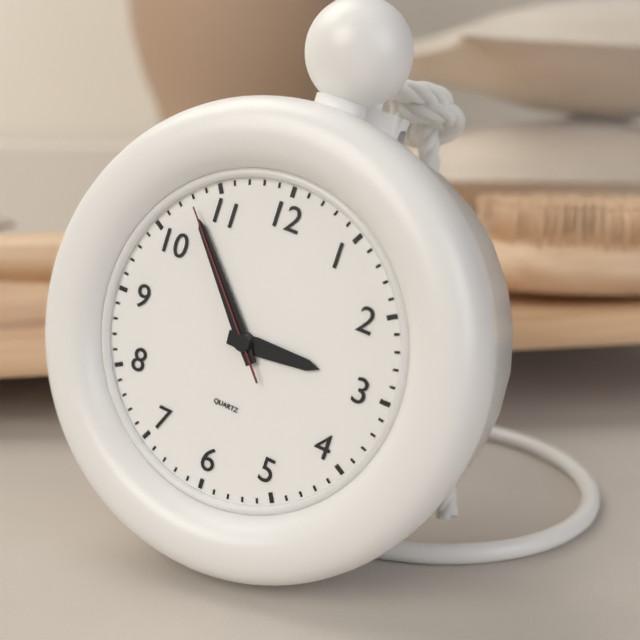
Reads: 2 h 53 min 53 s
